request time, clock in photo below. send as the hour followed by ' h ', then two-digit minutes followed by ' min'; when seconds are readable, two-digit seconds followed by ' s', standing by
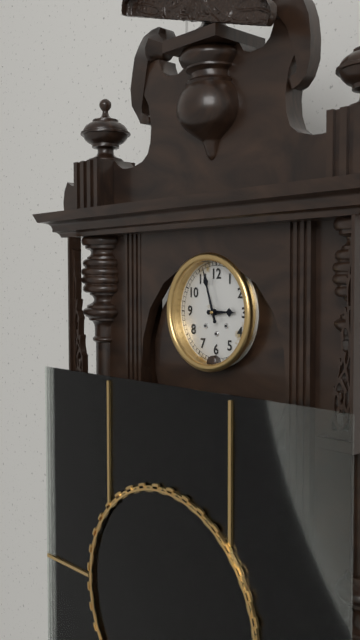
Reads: 2 h 57 min
